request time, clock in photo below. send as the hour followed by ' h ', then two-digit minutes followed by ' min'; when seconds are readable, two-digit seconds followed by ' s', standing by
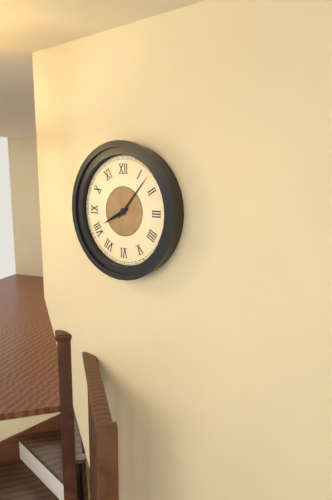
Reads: 8 h 07 min
